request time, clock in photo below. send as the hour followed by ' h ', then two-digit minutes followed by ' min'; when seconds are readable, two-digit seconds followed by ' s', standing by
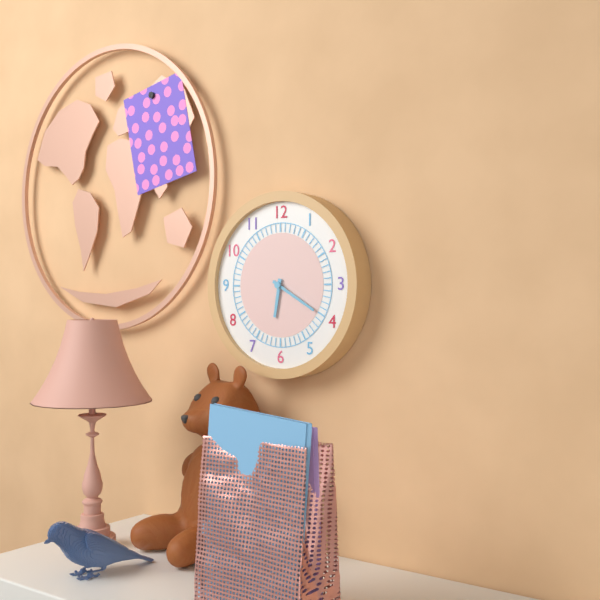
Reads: 6 h 20 min
